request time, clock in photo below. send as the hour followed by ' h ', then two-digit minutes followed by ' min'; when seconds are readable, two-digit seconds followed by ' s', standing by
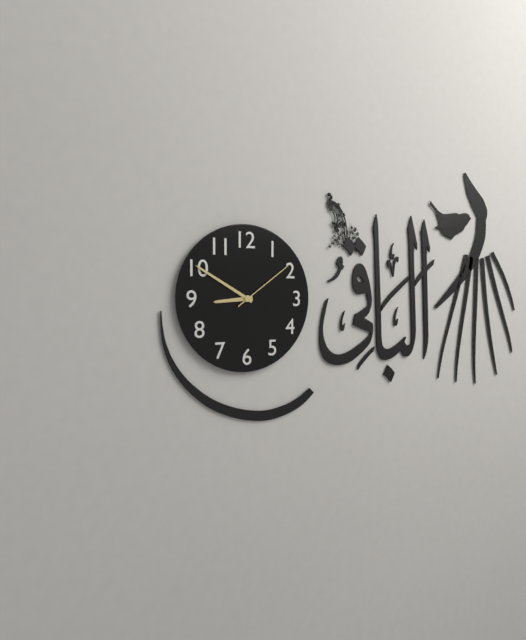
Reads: 8 h 50 min 09 s
